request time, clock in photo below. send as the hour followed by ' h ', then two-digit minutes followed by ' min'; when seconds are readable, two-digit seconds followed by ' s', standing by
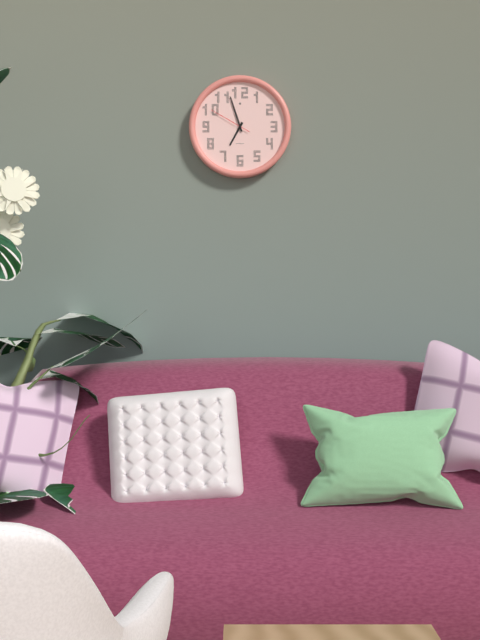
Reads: 6 h 57 min
